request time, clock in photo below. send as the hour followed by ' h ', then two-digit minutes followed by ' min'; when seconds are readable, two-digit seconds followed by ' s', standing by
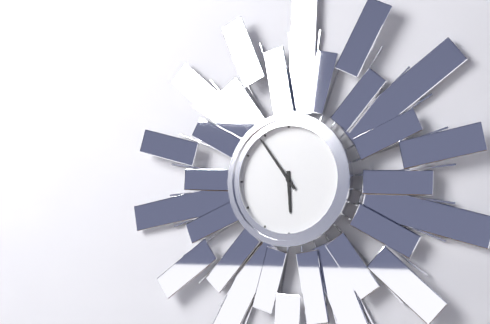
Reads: 5 h 54 min
